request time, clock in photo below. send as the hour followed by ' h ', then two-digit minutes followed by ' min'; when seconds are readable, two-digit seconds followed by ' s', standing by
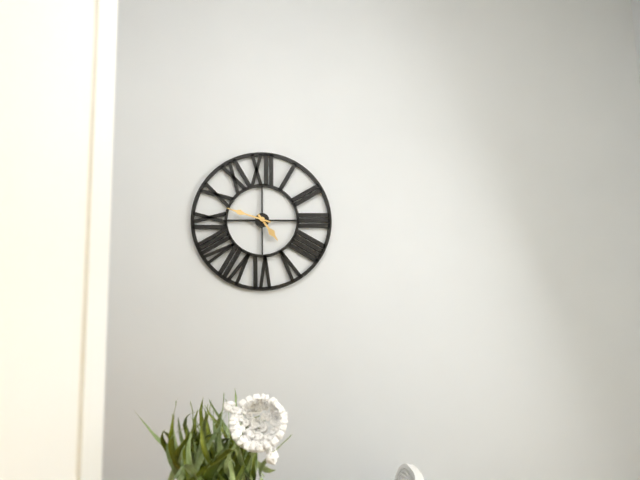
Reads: 4 h 48 min
